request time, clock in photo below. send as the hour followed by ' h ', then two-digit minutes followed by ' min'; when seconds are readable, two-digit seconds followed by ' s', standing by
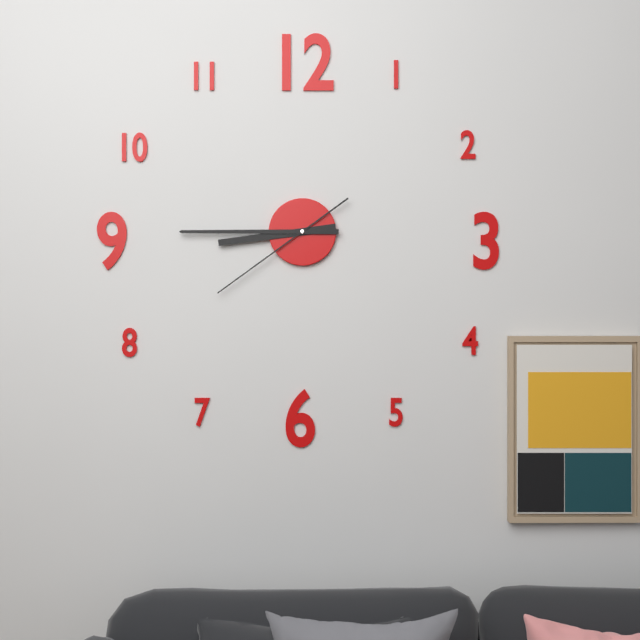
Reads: 8 h 45 min 39 s
